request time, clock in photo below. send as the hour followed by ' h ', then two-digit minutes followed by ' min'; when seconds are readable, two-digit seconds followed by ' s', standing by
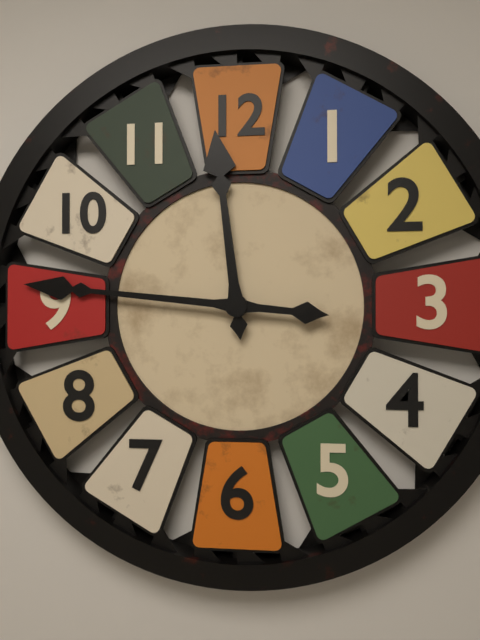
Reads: 11 h 46 min
